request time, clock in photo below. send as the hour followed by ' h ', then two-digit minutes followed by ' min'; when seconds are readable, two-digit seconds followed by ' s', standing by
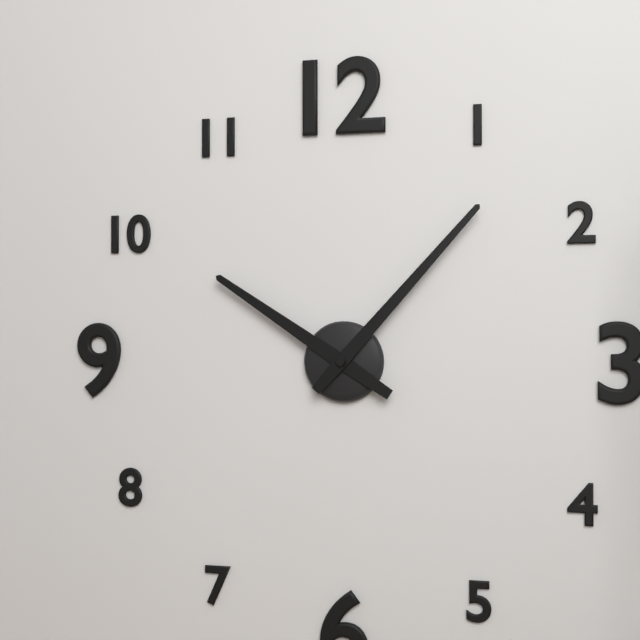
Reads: 10 h 07 min
